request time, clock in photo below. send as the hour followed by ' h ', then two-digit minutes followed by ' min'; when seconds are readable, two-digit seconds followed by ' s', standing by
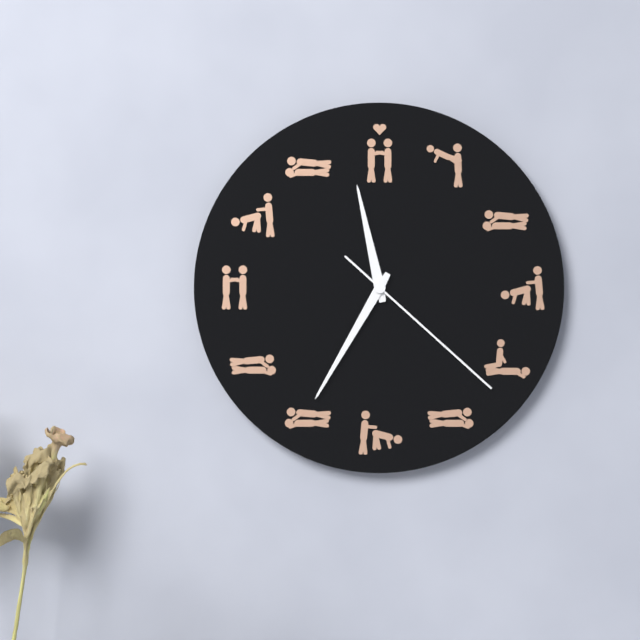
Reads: 11 h 35 min 22 s
